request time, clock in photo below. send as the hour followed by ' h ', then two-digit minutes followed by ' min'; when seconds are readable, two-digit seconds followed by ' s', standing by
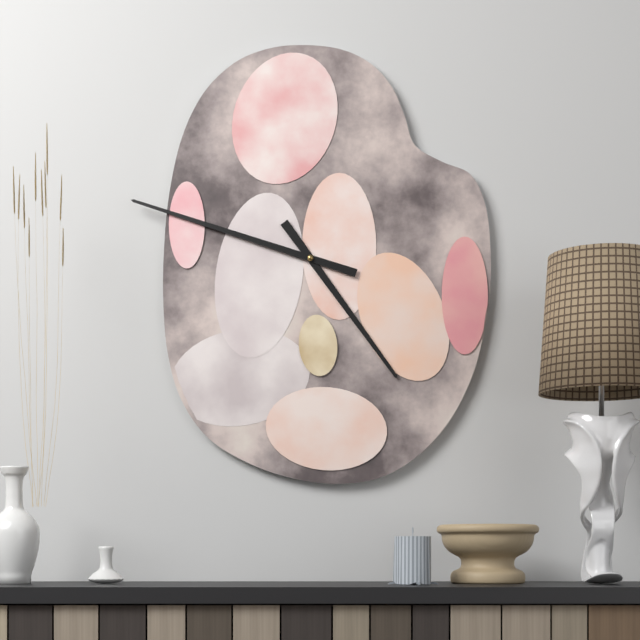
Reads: 4 h 48 min
